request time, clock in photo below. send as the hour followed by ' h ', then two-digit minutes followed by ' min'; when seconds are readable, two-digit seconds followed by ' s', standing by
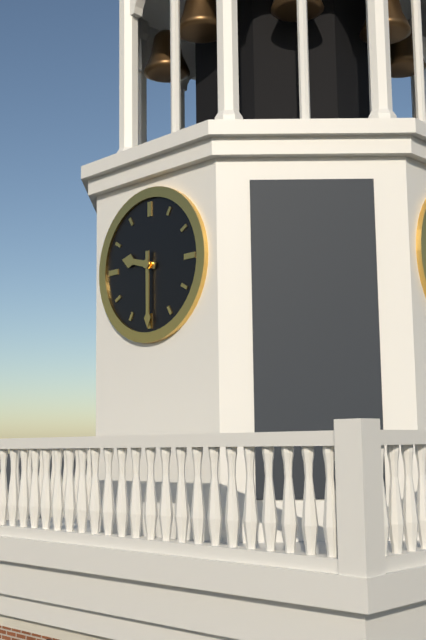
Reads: 9 h 30 min
